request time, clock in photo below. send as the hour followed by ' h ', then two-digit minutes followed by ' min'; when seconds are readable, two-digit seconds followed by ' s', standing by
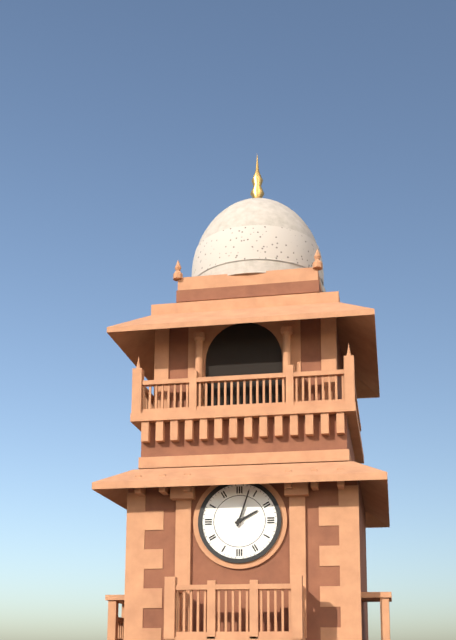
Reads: 2 h 03 min
